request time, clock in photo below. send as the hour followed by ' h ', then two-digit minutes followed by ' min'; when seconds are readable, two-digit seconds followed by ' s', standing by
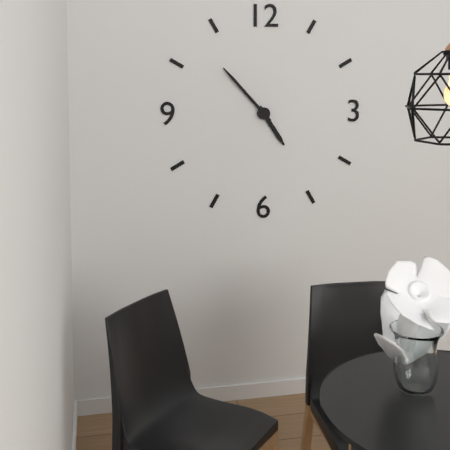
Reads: 4 h 53 min
